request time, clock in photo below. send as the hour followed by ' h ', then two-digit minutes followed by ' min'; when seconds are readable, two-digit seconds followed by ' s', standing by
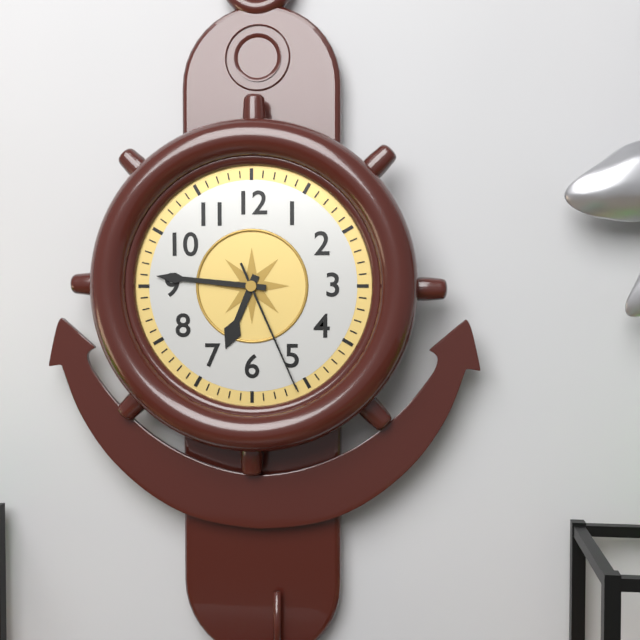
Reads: 6 h 46 min 26 s
